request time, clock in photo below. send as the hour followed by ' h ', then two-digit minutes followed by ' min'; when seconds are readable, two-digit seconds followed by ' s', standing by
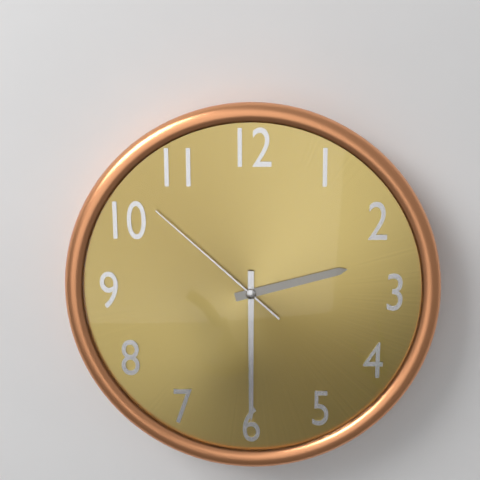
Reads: 2 h 30 min 52 s
